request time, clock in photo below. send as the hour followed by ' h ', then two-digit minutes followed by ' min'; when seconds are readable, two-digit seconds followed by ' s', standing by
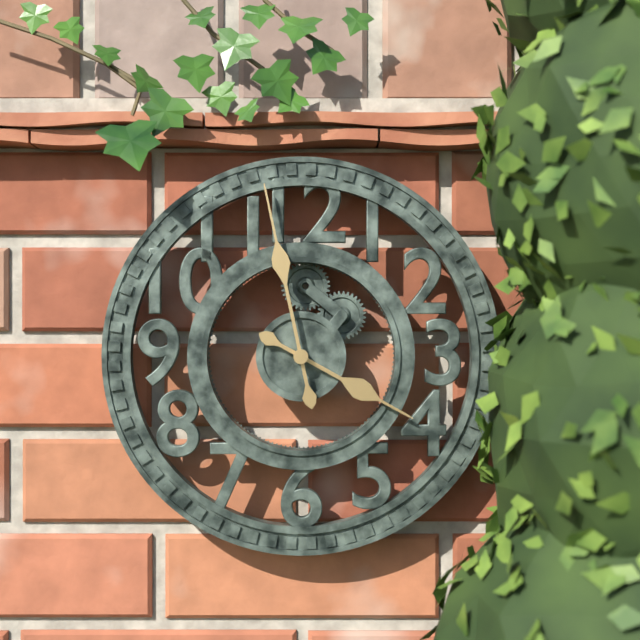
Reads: 3 h 58 min
